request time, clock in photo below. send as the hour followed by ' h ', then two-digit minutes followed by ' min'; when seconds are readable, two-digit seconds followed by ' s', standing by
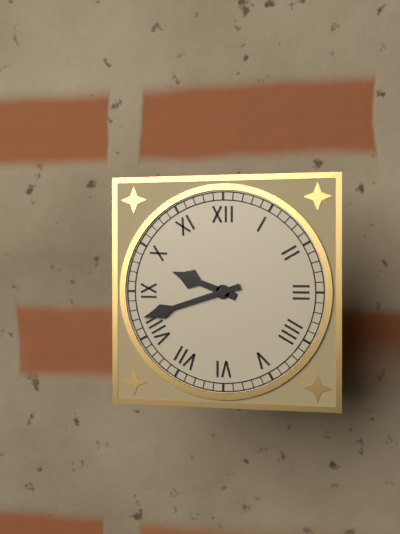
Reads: 9 h 42 min
